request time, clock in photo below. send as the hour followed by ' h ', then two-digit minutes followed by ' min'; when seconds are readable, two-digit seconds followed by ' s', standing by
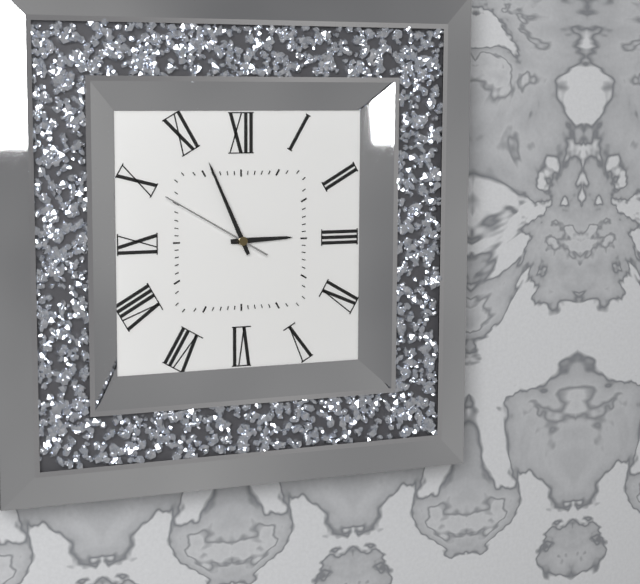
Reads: 2 h 56 min 50 s
